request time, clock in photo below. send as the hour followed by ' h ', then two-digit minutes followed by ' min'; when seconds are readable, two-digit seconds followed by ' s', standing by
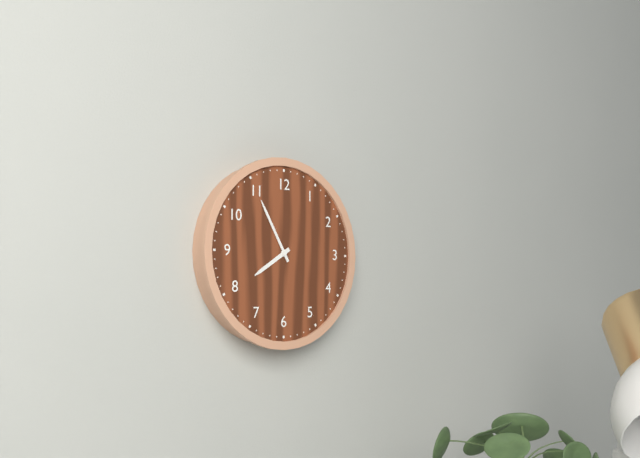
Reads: 7 h 55 min
